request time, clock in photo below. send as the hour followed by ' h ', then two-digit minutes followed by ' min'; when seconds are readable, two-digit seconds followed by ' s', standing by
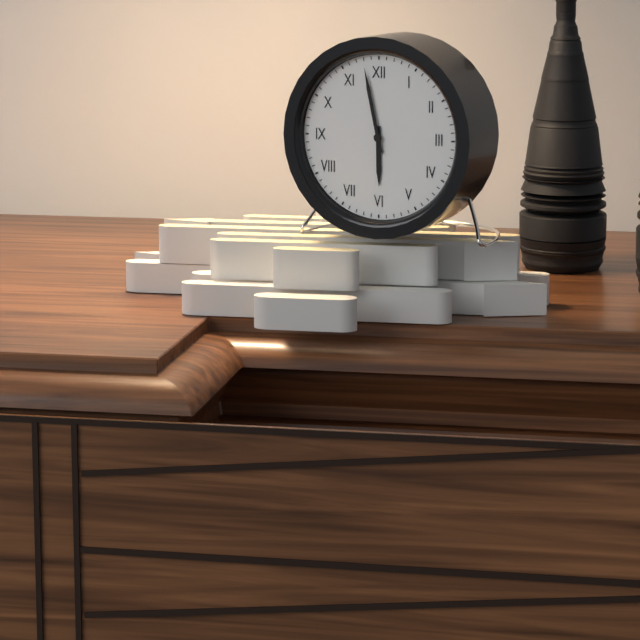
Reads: 5 h 58 min
